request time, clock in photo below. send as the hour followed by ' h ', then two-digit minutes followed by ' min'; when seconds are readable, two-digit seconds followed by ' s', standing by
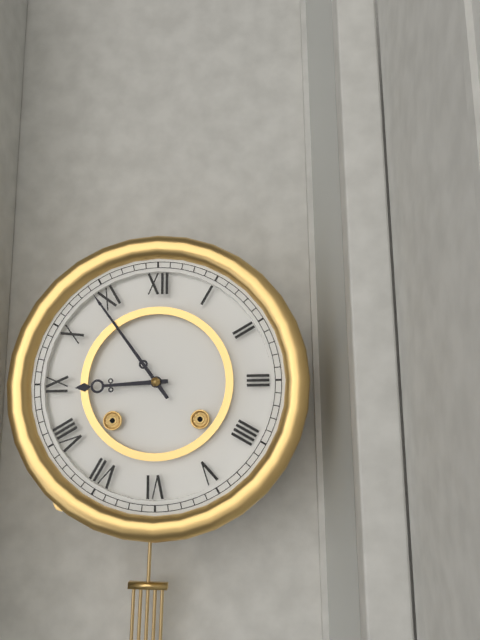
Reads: 8 h 54 min
